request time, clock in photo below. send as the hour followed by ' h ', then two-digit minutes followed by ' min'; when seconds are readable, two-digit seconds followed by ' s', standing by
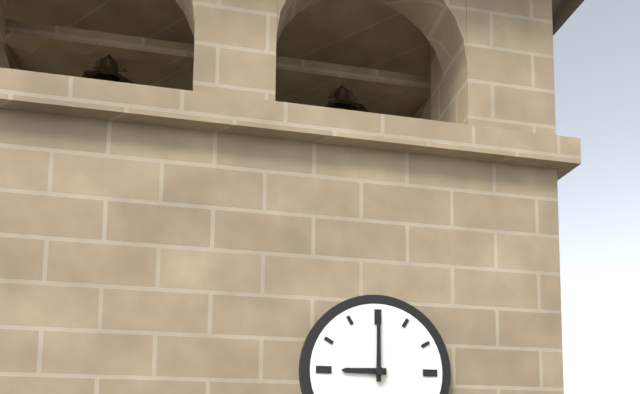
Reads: 9 h 00 min
